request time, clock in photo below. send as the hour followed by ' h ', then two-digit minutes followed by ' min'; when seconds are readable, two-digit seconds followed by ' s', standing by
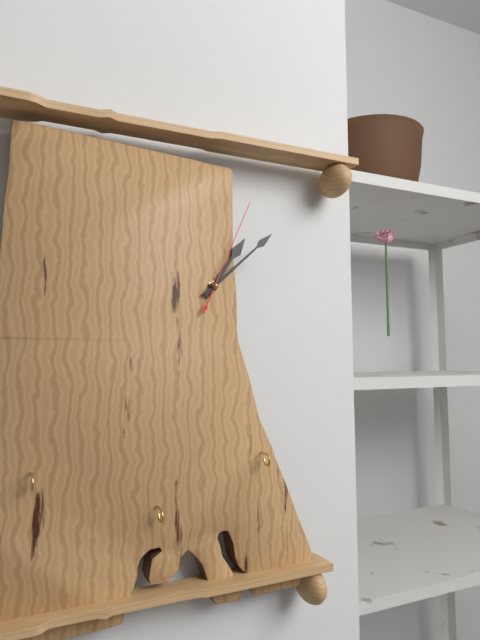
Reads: 1 h 08 min 04 s
